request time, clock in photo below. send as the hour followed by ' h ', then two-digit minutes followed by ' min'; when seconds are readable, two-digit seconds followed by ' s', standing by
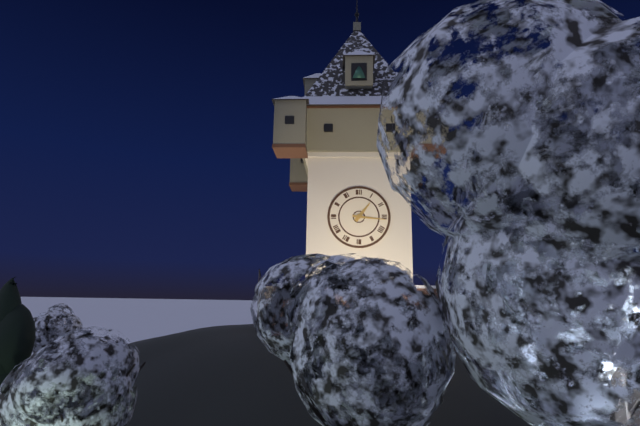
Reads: 1 h 16 min
